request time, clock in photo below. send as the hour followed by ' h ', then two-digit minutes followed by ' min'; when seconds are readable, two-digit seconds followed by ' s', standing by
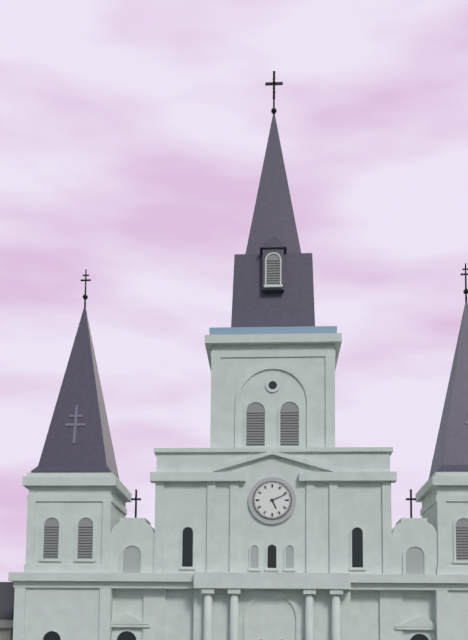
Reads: 5 h 11 min
